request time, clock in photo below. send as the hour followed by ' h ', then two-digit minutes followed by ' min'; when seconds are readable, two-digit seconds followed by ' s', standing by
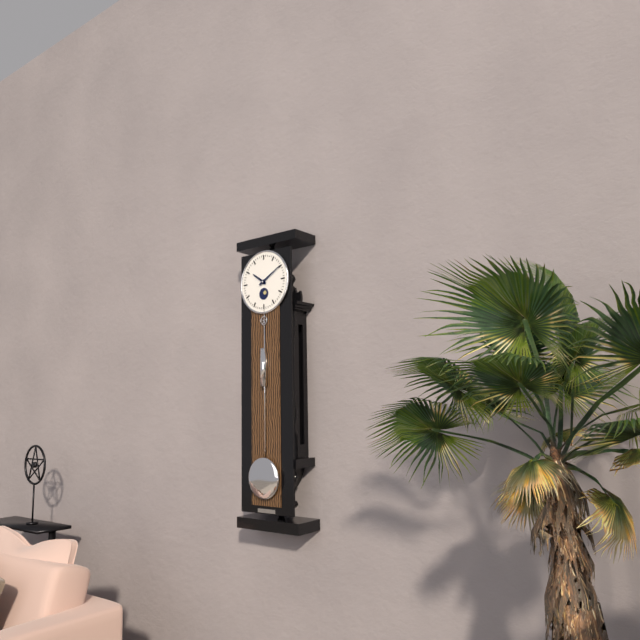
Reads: 10 h 10 min
